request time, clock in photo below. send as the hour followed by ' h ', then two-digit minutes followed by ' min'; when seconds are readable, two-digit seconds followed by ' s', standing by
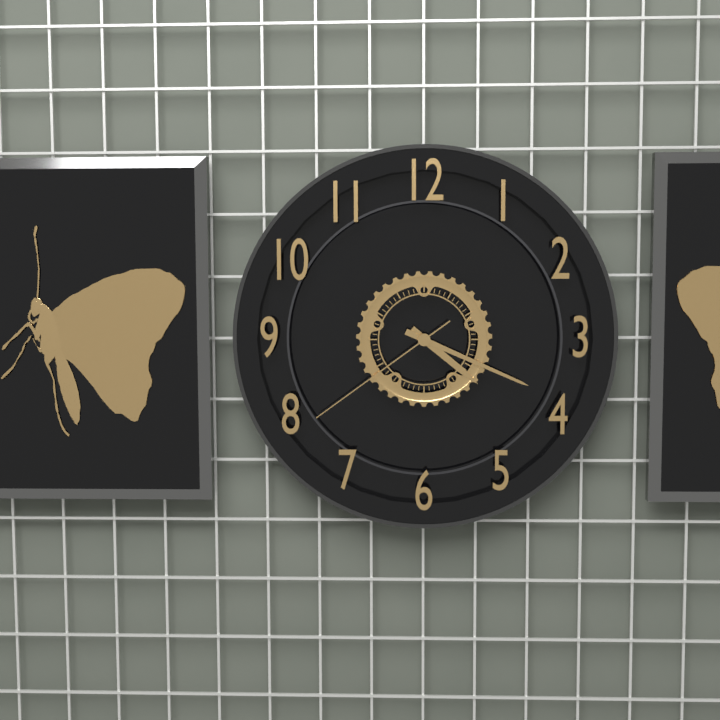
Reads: 4 h 19 min 39 s
